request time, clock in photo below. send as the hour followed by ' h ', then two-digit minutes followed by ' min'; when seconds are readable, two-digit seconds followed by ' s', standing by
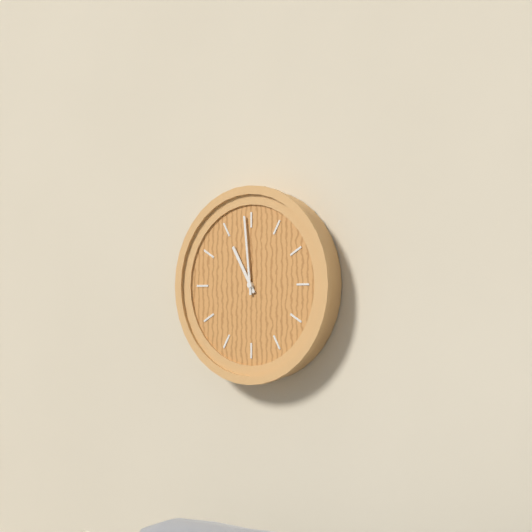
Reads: 10 h 59 min
